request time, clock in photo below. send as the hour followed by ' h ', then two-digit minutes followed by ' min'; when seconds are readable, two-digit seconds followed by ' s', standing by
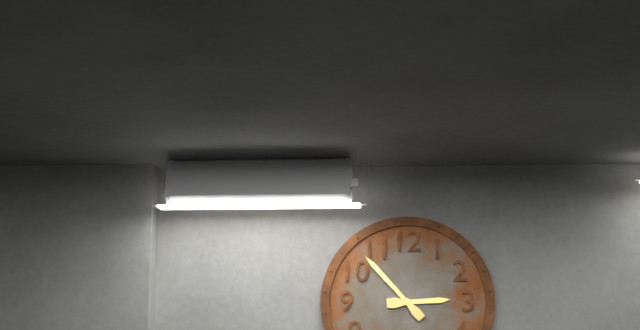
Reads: 2 h 53 min
